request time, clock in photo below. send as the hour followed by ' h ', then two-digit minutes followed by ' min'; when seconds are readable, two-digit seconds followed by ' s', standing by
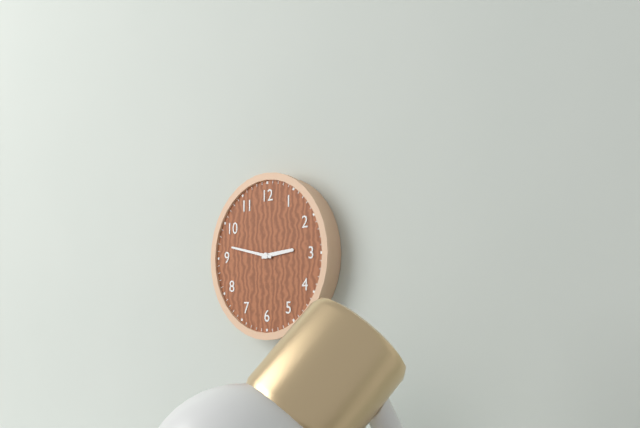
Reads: 2 h 47 min
